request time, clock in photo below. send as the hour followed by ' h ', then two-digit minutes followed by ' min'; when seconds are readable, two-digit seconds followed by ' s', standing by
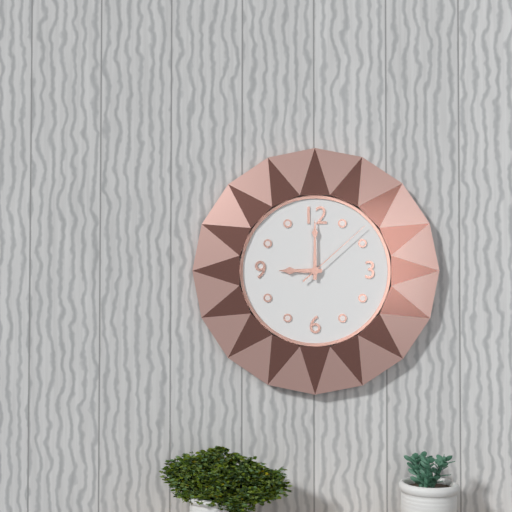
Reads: 9 h 00 min 08 s
